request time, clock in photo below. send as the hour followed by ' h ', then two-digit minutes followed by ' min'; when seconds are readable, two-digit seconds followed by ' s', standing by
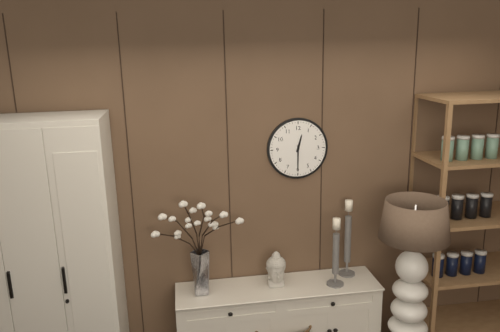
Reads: 12 h 30 min
